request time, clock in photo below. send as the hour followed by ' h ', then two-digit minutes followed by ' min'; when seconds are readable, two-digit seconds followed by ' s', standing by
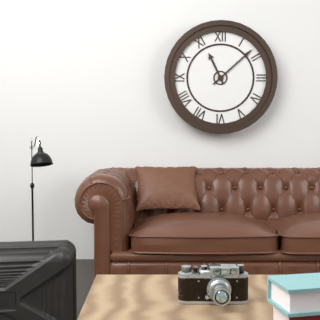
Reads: 11 h 08 min
